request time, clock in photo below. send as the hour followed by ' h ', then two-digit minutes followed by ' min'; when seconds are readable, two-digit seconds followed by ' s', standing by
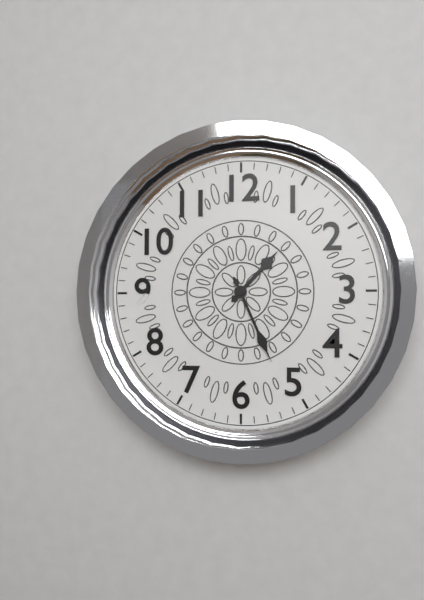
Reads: 1 h 26 min
